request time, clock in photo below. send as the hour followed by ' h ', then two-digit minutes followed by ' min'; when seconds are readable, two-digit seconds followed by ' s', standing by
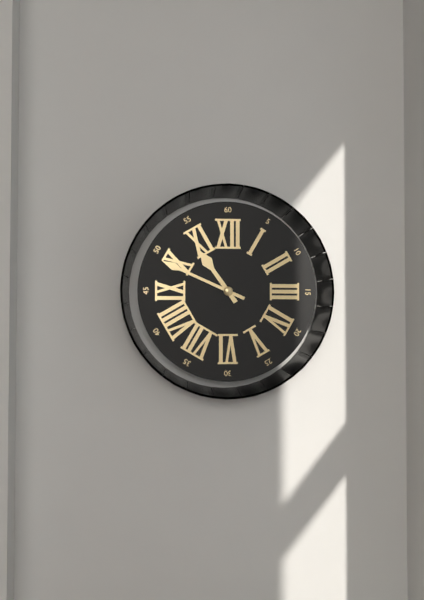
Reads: 10 h 49 min
